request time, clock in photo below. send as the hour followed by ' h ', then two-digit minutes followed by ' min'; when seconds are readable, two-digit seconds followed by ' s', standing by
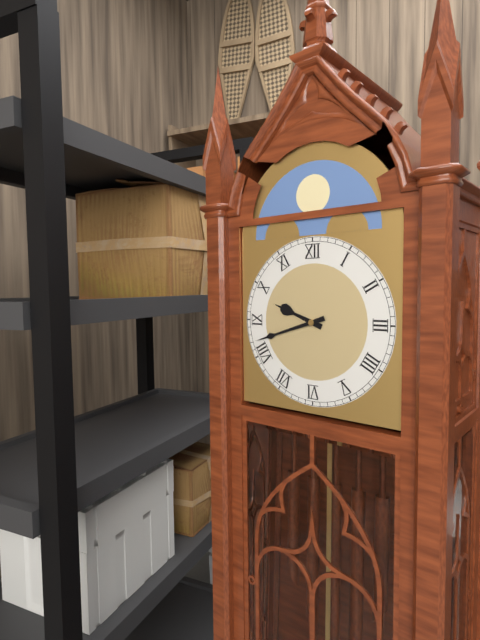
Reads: 9 h 42 min
